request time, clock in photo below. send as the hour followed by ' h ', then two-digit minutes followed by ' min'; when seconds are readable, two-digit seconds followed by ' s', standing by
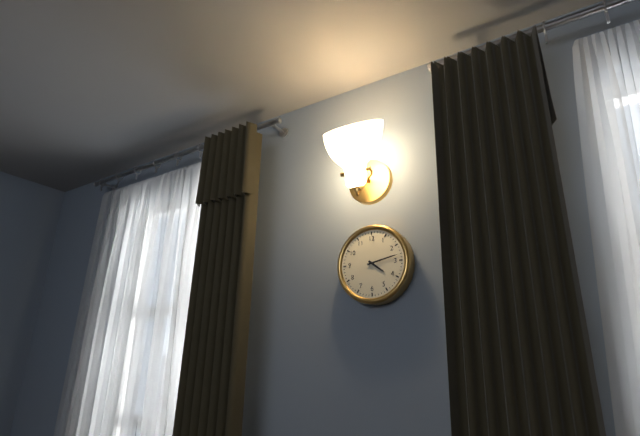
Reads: 4 h 13 min
